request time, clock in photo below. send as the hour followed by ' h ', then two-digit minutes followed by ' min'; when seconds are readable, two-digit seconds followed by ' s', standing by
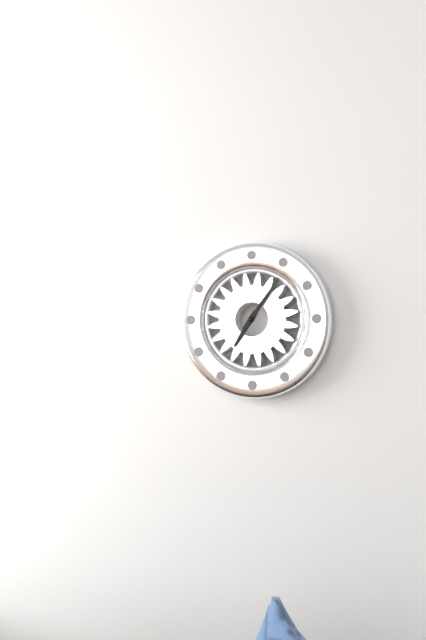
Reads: 7 h 06 min
